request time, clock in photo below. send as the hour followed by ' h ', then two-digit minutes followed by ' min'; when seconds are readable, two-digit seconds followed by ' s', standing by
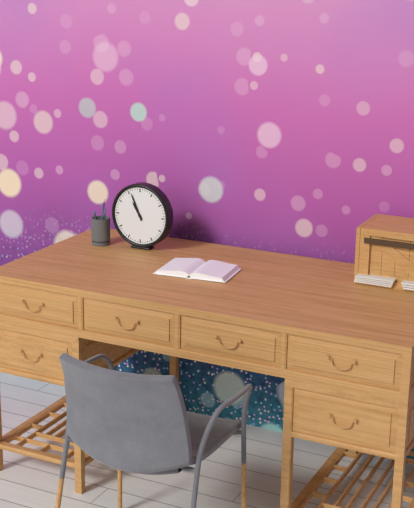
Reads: 10 h 56 min
